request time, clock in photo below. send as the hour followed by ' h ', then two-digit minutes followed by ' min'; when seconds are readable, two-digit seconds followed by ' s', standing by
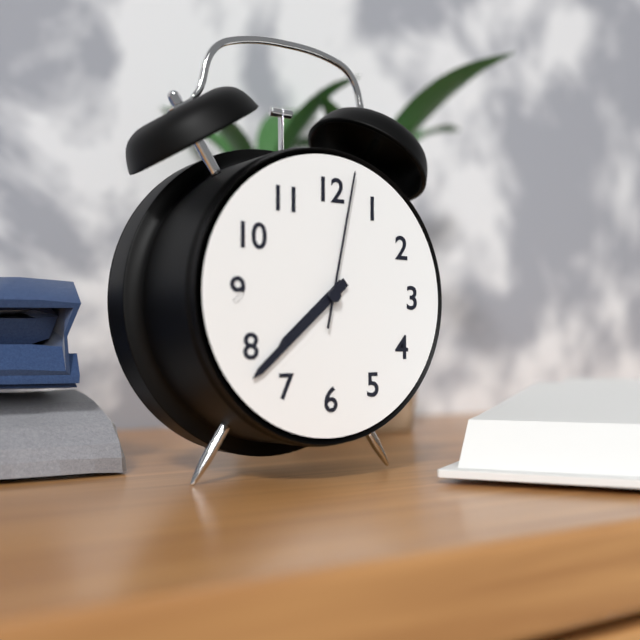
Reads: 7 h 38 min 02 s
